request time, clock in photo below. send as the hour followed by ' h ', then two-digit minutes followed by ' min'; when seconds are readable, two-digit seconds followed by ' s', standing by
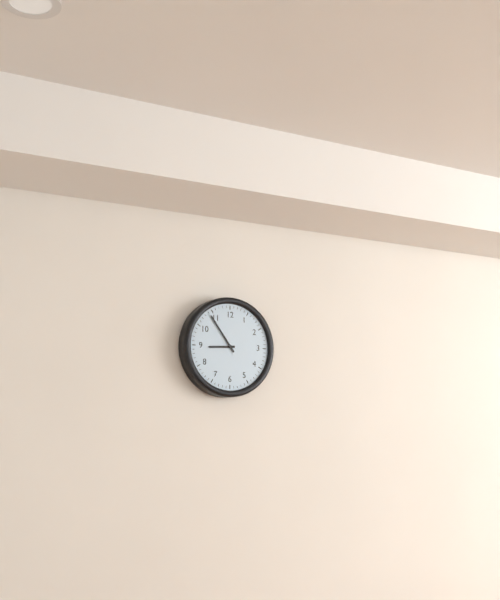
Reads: 8 h 54 min
